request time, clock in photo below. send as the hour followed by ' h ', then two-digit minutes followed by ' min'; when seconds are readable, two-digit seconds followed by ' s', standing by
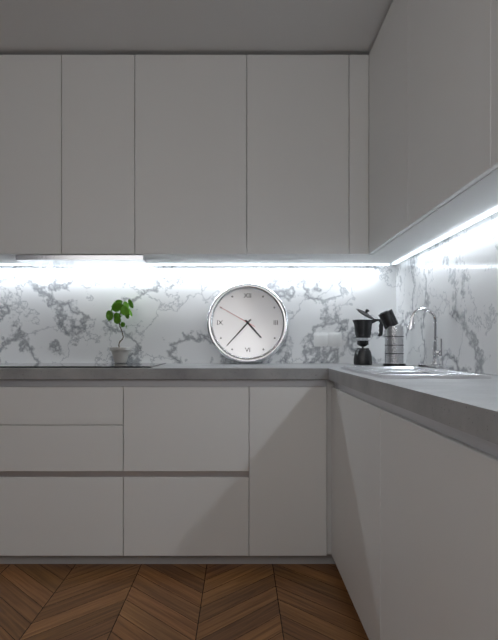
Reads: 4 h 37 min
